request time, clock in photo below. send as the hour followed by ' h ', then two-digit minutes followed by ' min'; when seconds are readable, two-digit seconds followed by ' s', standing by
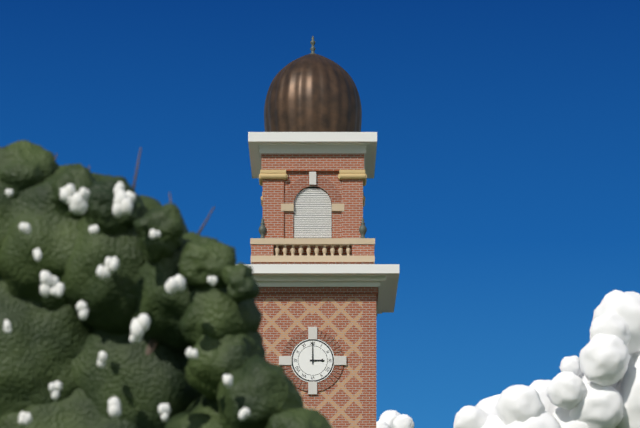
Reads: 3 h 00 min
